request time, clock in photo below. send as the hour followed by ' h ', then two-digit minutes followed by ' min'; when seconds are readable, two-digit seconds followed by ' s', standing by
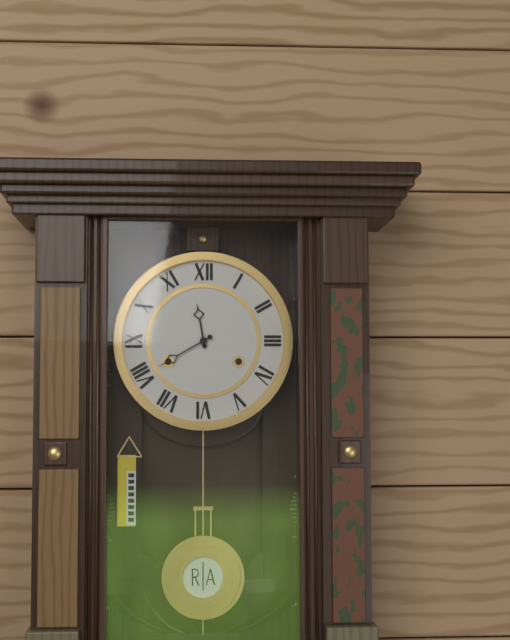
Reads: 11 h 40 min
